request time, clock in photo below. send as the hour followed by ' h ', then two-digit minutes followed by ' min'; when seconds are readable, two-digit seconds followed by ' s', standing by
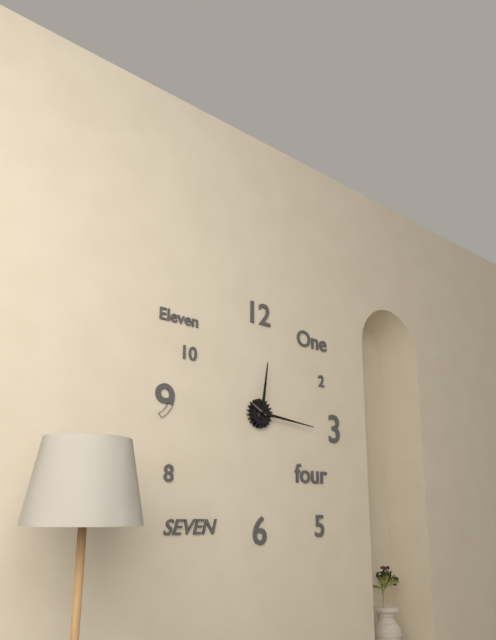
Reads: 12 h 16 min
